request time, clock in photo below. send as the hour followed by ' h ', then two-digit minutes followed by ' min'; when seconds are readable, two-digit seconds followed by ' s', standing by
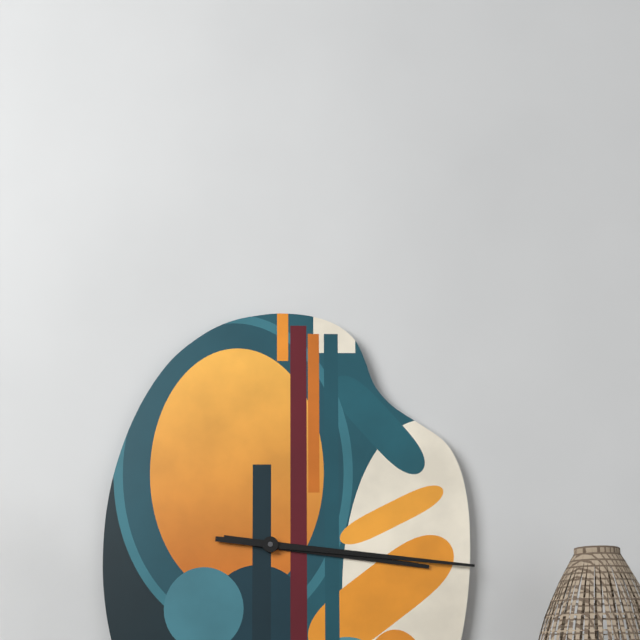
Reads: 3 h 16 min
